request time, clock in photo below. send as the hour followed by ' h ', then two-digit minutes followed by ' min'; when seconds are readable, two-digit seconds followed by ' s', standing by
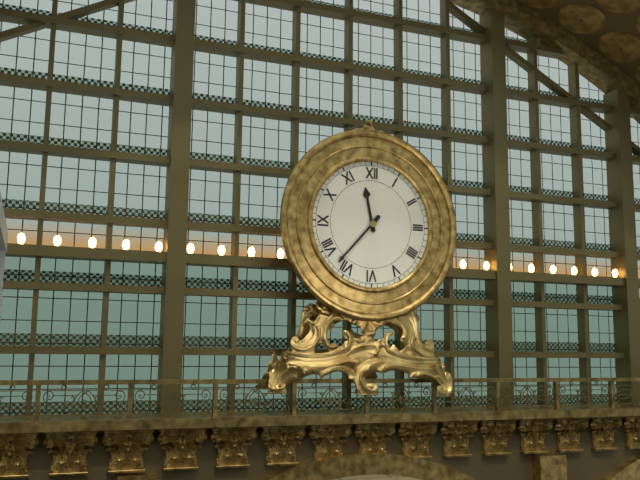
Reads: 11 h 37 min
